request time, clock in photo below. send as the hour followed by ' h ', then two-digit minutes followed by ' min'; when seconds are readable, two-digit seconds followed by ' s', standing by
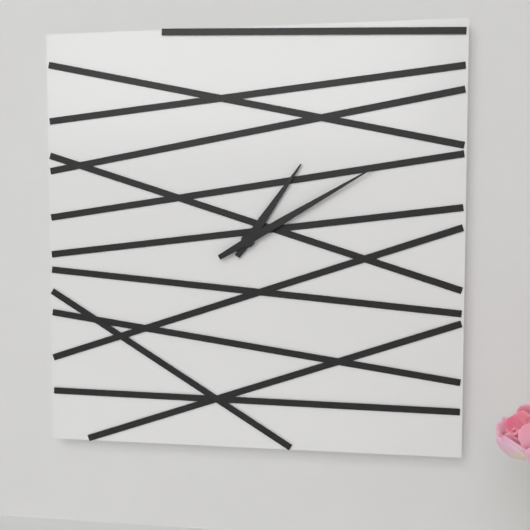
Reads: 1 h 10 min
